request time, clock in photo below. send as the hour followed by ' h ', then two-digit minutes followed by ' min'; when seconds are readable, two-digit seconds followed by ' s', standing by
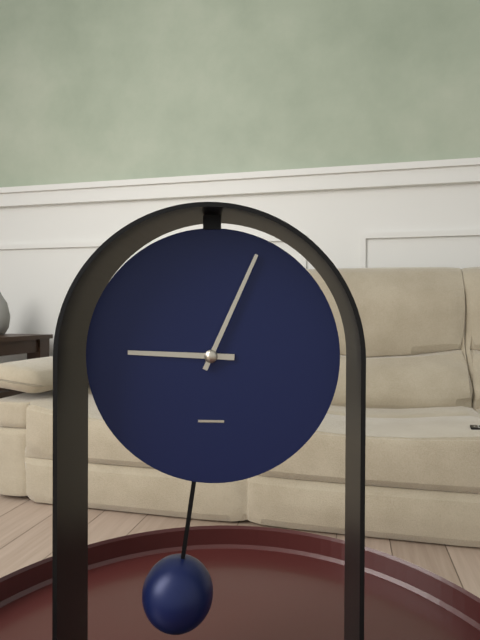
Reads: 9 h 04 min
